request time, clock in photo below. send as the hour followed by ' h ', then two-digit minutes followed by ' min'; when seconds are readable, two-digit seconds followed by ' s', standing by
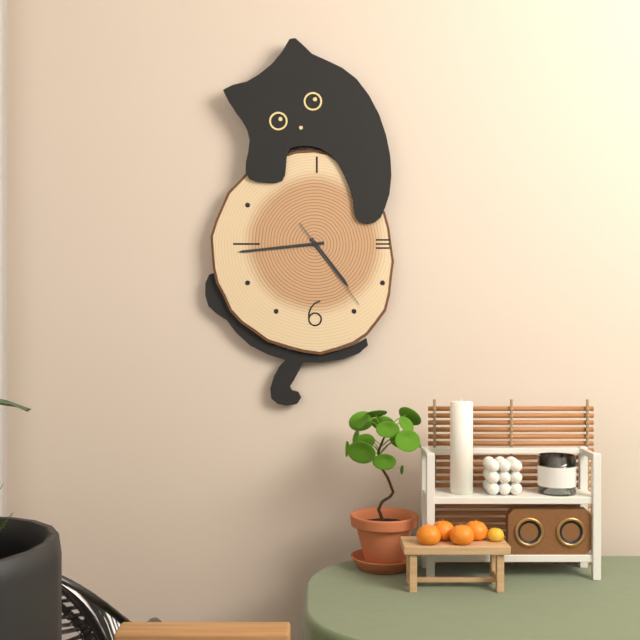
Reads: 4 h 44 min 24 s
